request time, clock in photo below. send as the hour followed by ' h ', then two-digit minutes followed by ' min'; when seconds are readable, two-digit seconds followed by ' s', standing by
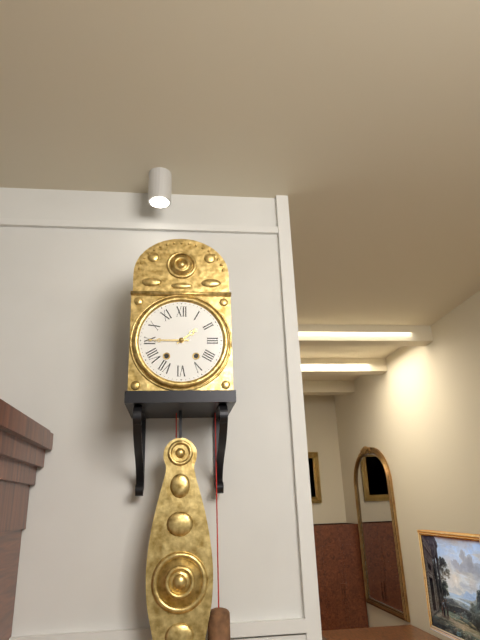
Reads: 1 h 45 min
